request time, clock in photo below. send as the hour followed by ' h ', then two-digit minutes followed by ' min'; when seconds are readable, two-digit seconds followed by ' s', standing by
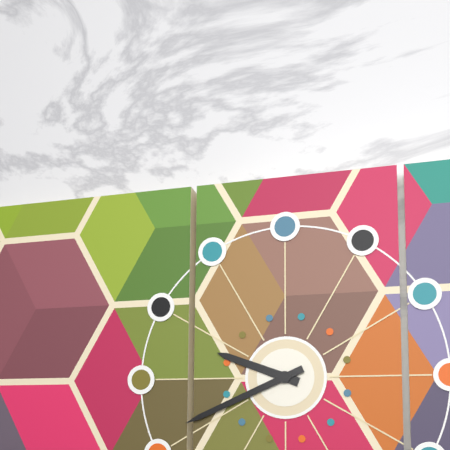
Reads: 9 h 41 min
